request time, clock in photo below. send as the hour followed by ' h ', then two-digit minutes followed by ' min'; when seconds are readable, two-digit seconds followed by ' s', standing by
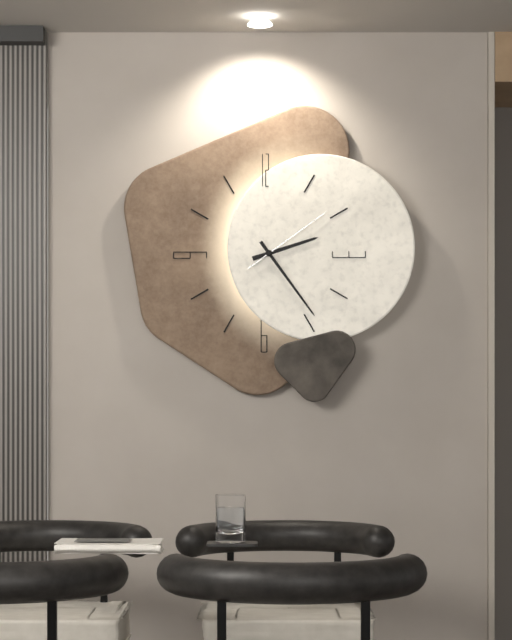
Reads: 2 h 24 min 09 s
